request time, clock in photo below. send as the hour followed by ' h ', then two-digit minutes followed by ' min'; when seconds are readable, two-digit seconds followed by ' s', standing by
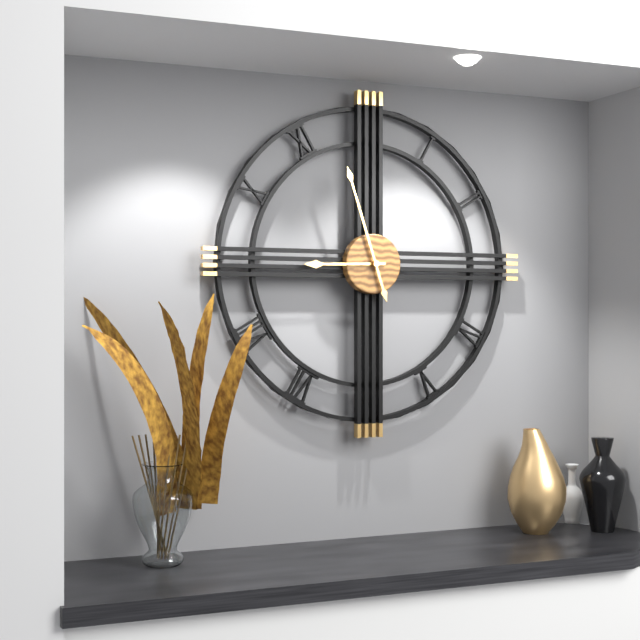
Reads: 8 h 57 min
